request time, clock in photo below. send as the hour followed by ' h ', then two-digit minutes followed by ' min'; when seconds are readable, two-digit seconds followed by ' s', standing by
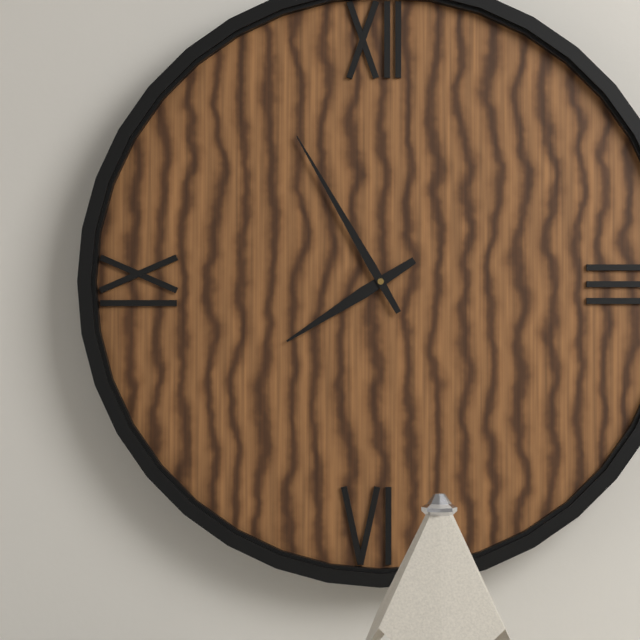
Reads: 7 h 55 min
